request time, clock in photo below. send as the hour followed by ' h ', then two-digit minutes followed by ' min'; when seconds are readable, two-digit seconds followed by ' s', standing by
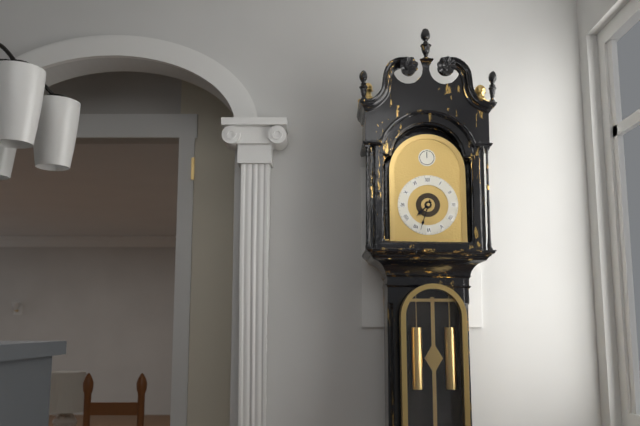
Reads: 7 h 33 min
